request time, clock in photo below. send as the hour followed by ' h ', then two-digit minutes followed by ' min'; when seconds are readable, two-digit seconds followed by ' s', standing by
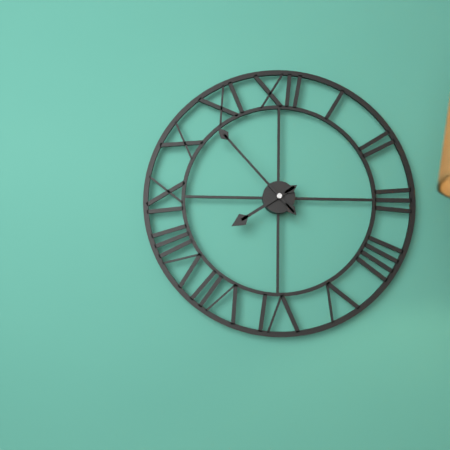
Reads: 7 h 53 min
